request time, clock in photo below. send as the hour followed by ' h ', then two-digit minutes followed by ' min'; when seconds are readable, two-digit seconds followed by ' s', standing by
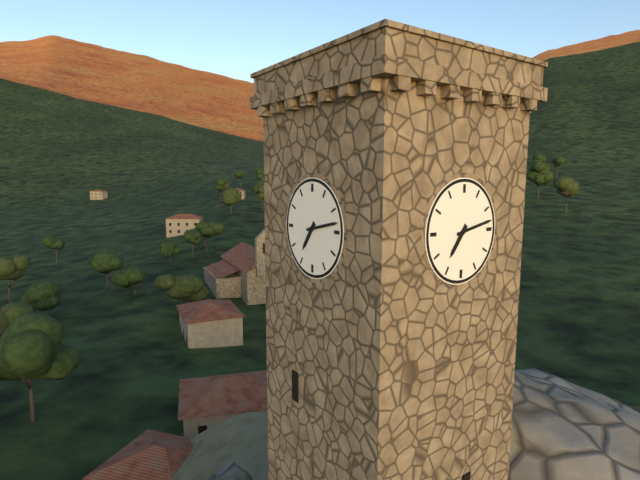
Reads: 7 h 13 min
